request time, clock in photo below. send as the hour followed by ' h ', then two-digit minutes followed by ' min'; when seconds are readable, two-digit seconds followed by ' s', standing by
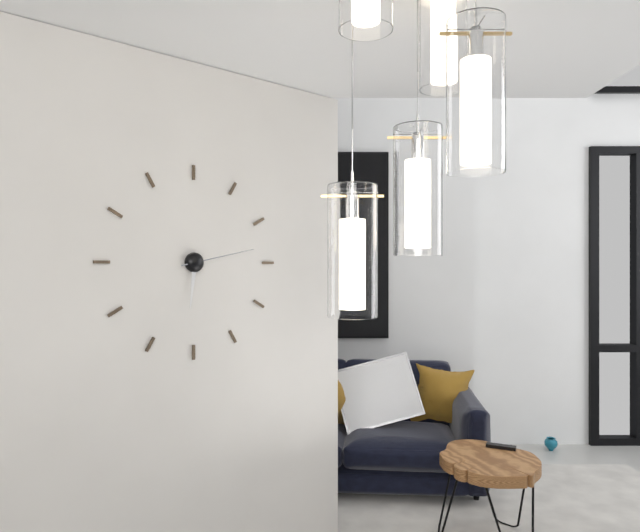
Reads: 6 h 13 min
